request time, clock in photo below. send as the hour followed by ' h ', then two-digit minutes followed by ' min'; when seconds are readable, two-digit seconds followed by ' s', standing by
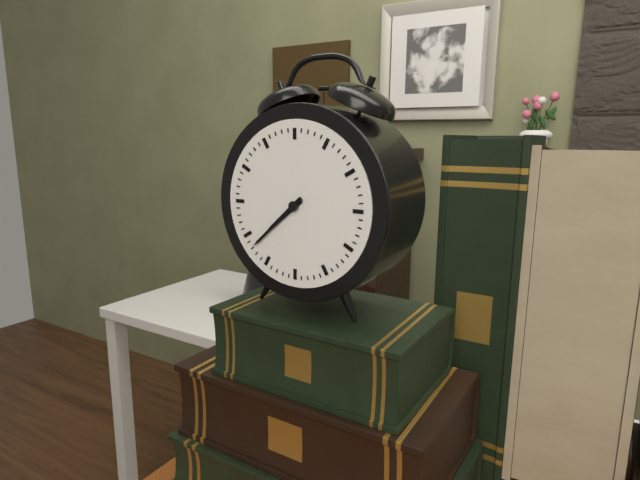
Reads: 7 h 38 min
